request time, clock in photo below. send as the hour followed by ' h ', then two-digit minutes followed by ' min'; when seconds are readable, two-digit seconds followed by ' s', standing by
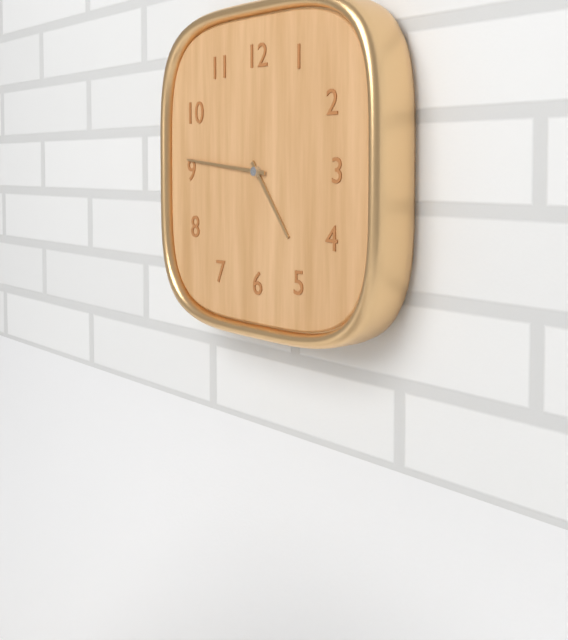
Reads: 4 h 46 min
